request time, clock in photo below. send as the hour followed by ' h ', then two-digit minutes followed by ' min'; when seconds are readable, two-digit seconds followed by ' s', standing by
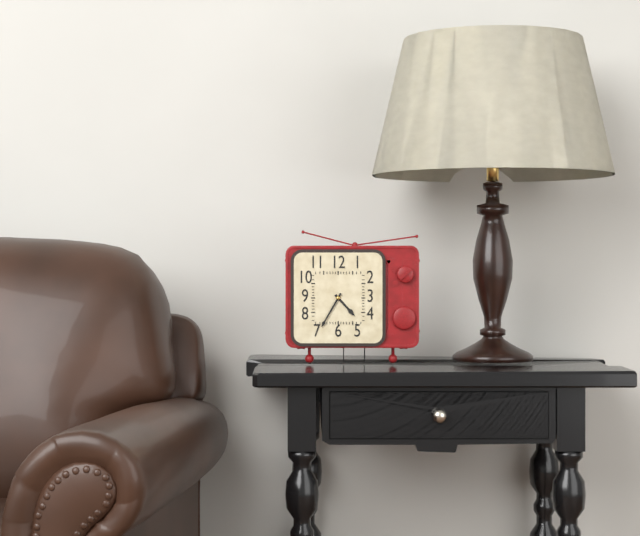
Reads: 4 h 35 min
